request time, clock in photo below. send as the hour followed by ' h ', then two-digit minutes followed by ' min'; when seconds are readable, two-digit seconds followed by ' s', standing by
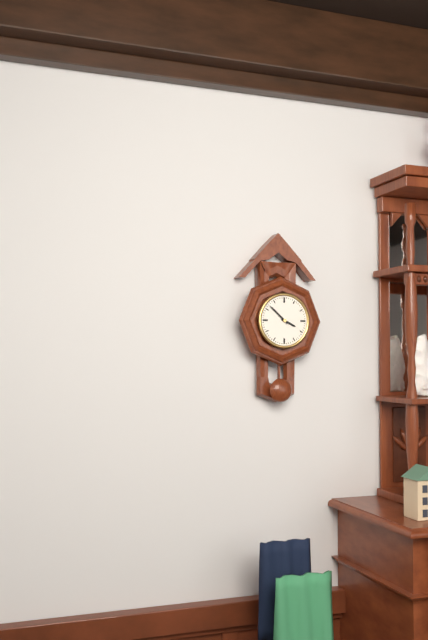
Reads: 3 h 52 min
